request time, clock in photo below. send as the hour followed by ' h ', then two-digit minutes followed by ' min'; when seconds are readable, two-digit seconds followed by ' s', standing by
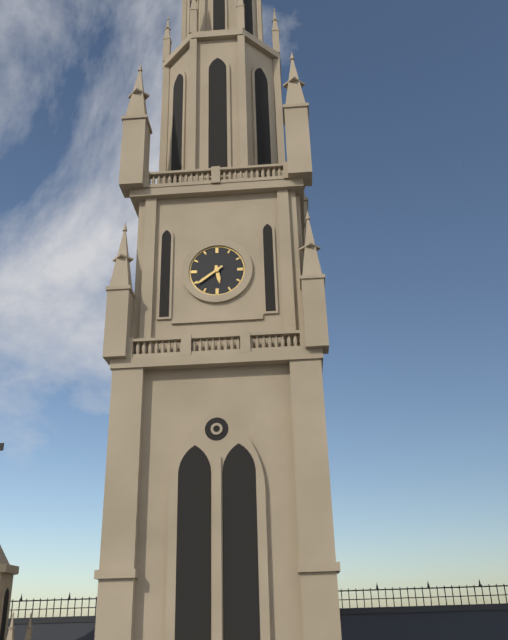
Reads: 5 h 39 min
